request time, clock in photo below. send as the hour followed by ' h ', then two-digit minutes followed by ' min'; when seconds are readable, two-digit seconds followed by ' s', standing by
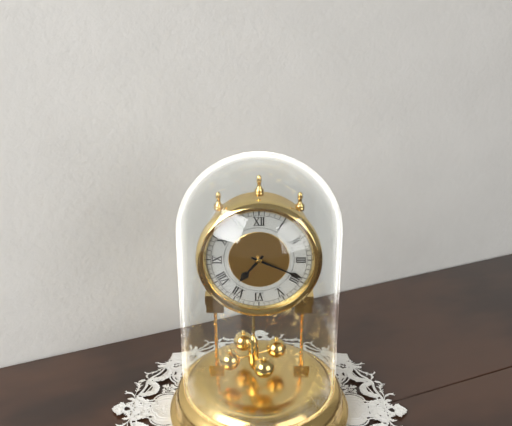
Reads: 7 h 19 min
